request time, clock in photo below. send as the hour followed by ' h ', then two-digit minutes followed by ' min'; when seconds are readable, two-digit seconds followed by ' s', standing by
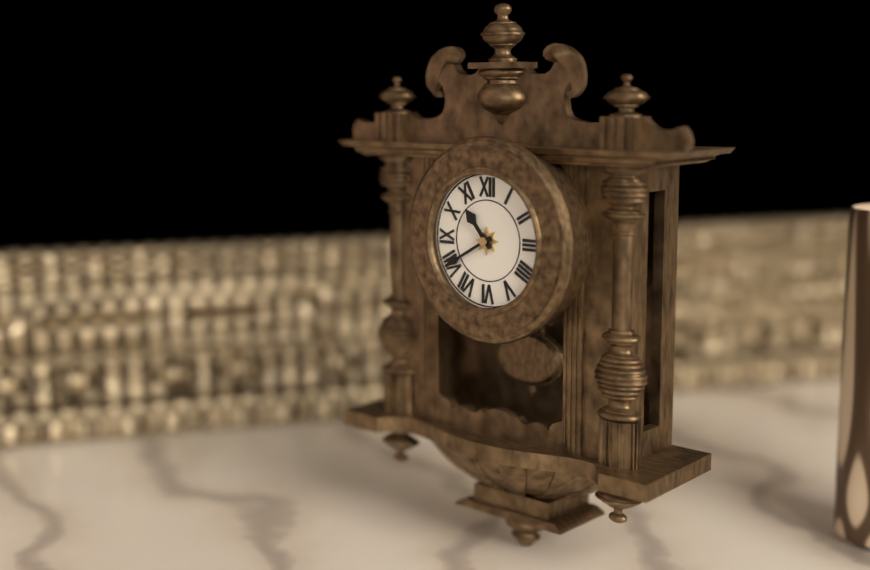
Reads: 10 h 40 min
